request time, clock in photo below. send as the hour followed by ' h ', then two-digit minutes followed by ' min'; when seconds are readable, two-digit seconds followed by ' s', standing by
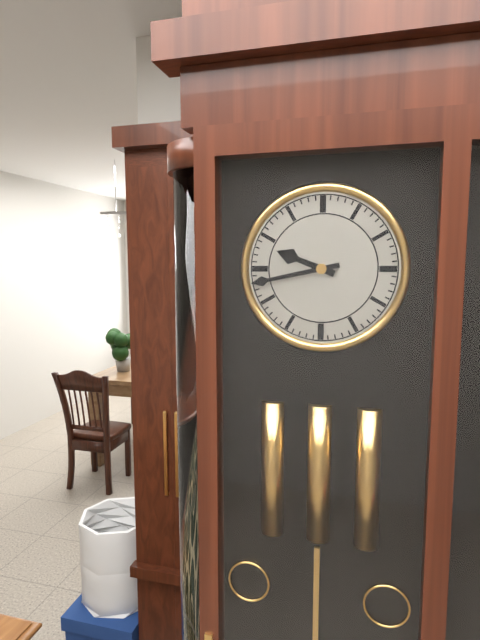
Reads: 9 h 43 min
